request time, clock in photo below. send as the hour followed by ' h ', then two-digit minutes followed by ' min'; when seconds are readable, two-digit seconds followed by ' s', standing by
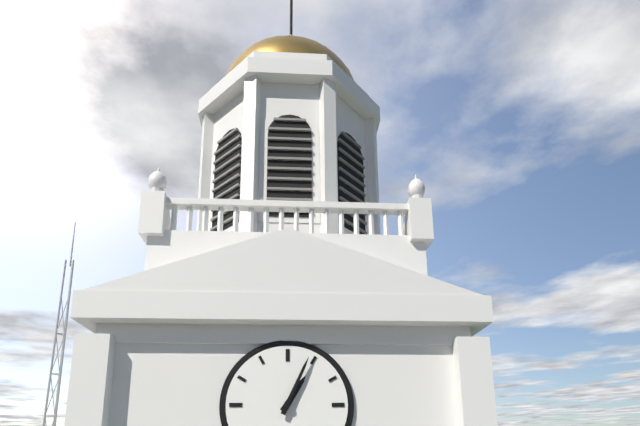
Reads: 1 h 04 min
